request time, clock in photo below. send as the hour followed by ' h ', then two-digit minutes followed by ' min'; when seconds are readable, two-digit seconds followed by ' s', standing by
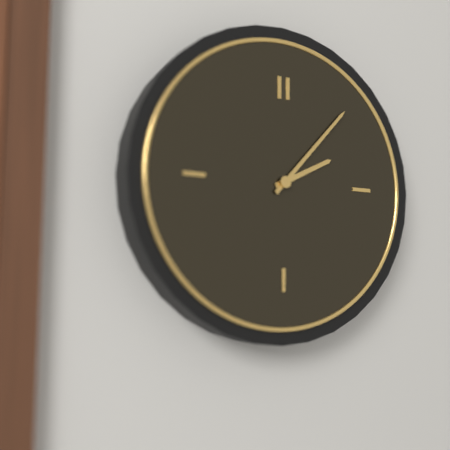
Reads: 2 h 07 min
